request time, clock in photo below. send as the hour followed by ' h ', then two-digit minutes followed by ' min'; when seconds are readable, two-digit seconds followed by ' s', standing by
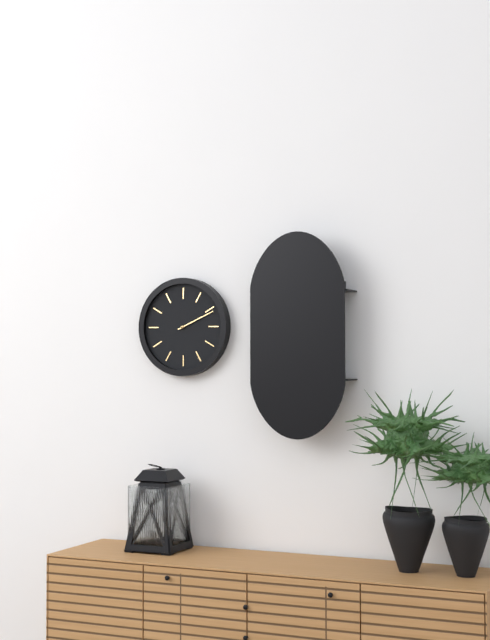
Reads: 2 h 11 min
